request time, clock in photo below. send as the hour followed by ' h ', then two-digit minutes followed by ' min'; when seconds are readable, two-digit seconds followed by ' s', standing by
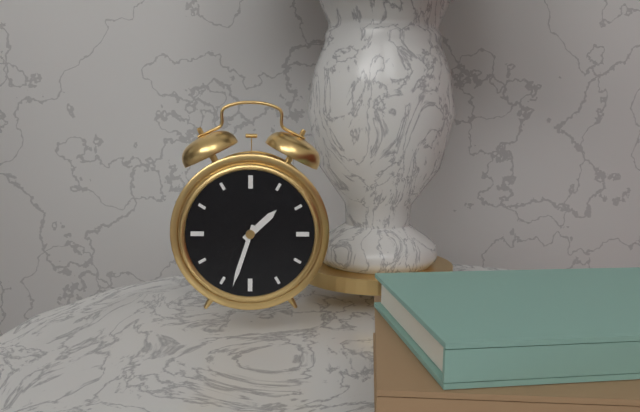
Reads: 1 h 33 min
